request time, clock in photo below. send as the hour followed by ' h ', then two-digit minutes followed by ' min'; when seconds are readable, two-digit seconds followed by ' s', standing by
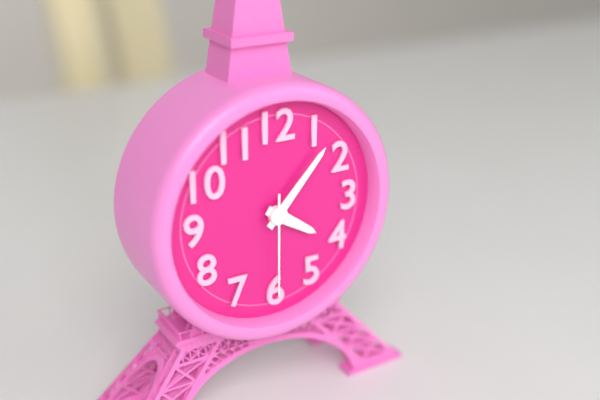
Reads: 4 h 07 min 30 s
